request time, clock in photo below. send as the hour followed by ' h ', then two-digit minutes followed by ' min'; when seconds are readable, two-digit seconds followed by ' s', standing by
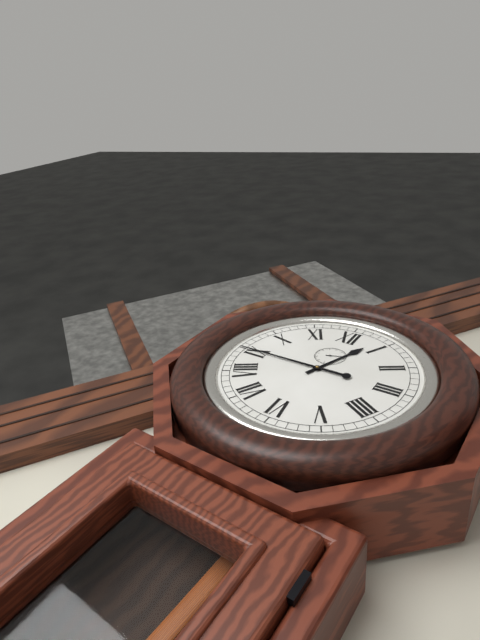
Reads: 12 h 45 min
